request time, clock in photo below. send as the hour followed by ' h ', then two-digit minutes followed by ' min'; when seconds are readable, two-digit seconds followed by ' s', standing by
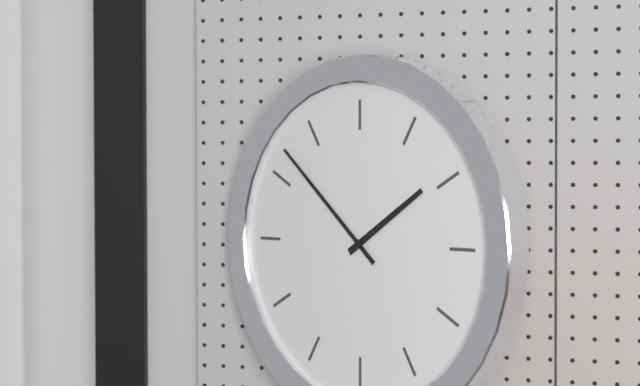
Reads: 1 h 52 min
